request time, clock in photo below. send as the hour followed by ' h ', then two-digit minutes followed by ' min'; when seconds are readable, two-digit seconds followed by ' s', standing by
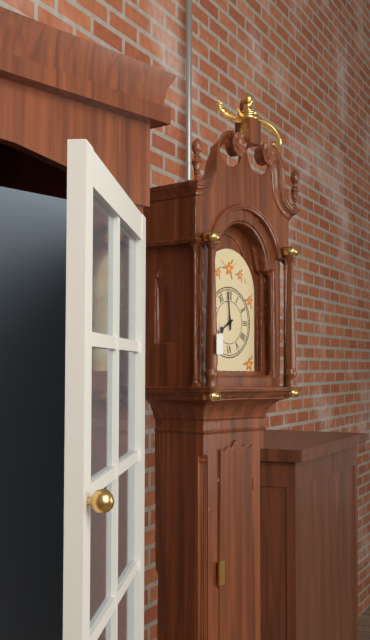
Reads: 7 h 59 min
